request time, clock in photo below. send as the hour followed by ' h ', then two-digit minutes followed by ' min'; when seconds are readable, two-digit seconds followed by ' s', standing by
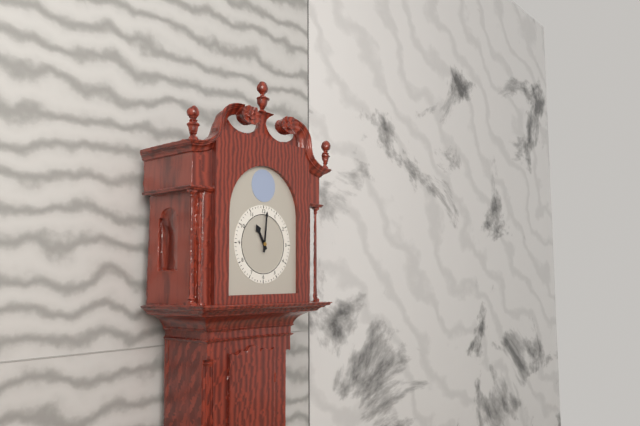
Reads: 11 h 01 min
